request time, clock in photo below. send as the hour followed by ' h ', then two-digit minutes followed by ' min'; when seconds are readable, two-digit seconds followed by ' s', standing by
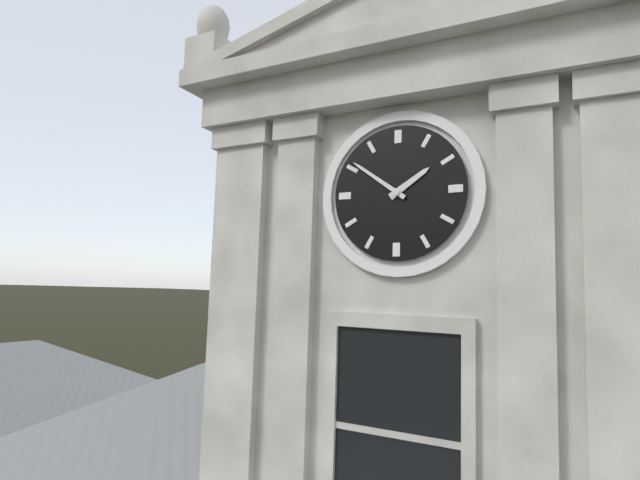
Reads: 1 h 51 min
